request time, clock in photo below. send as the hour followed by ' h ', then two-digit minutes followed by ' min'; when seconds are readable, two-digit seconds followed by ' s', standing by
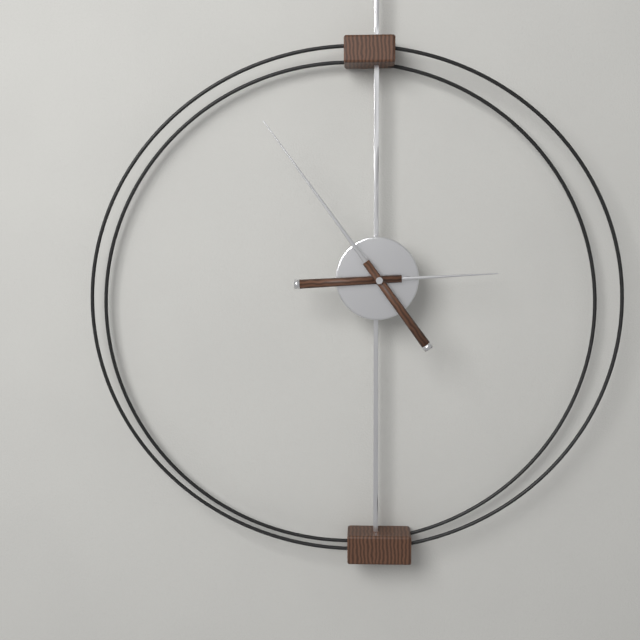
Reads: 2 h 54 min
